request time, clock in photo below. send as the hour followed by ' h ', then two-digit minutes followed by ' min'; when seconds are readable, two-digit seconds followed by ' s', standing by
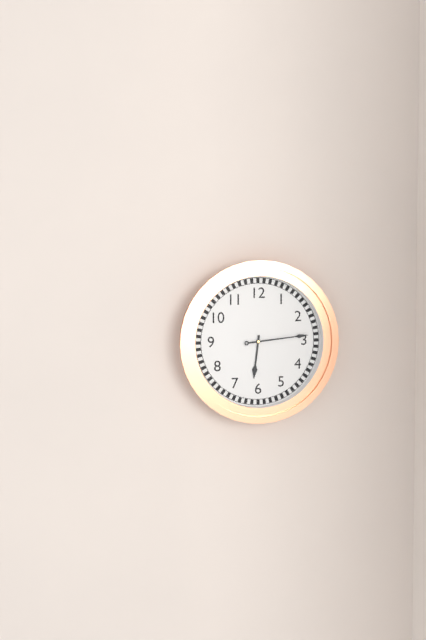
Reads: 6 h 14 min
